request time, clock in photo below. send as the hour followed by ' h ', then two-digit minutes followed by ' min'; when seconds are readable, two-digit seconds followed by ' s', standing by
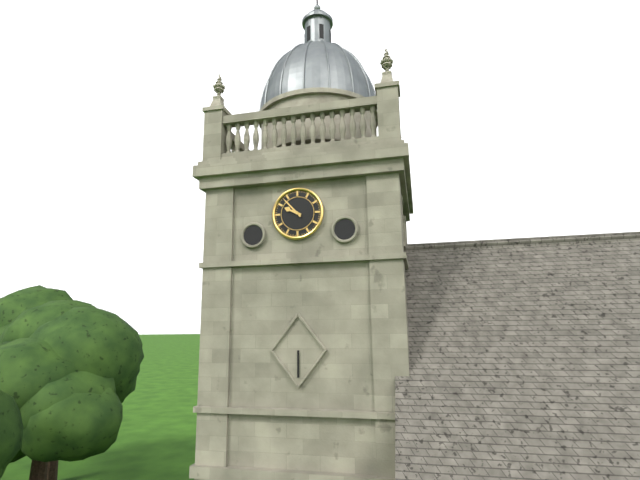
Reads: 9 h 53 min
